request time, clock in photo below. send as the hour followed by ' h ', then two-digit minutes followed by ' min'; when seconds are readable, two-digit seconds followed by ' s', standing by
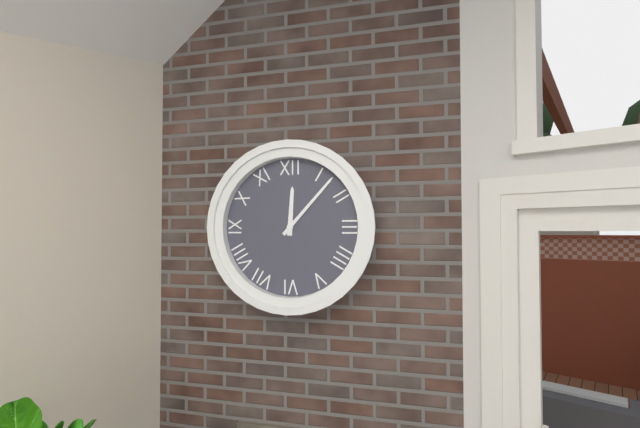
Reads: 12 h 07 min
